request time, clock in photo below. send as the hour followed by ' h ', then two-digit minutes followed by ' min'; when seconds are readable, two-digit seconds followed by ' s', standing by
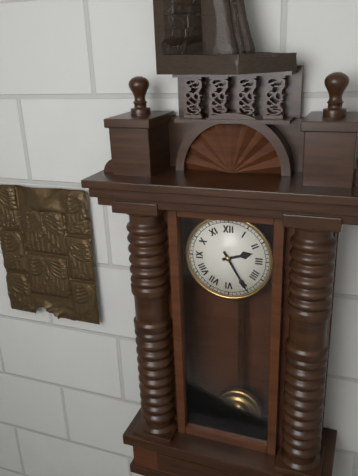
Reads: 2 h 25 min
